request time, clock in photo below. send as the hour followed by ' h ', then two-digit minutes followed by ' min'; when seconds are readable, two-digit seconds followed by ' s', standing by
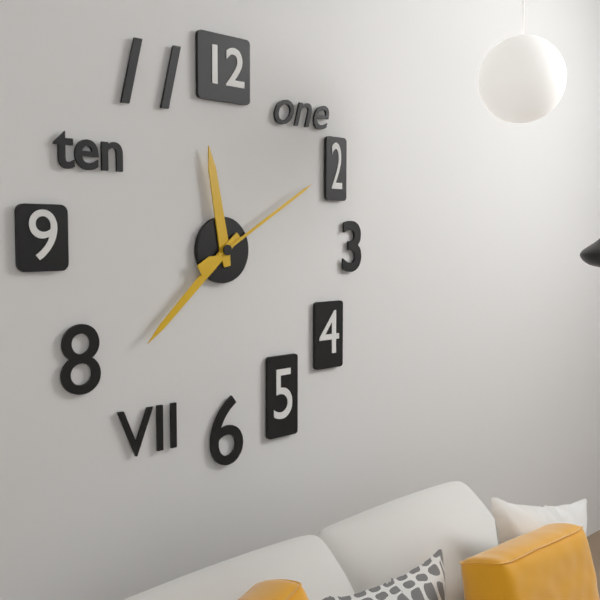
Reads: 11 h 38 min 10 s
